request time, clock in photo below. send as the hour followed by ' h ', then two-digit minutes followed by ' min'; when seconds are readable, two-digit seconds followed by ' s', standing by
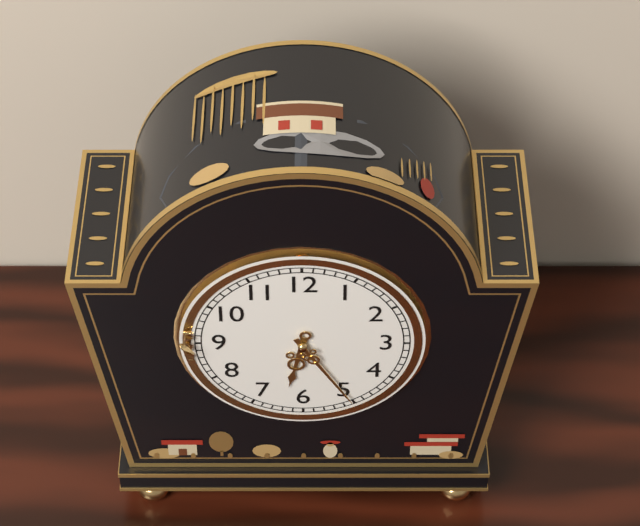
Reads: 6 h 25 min
